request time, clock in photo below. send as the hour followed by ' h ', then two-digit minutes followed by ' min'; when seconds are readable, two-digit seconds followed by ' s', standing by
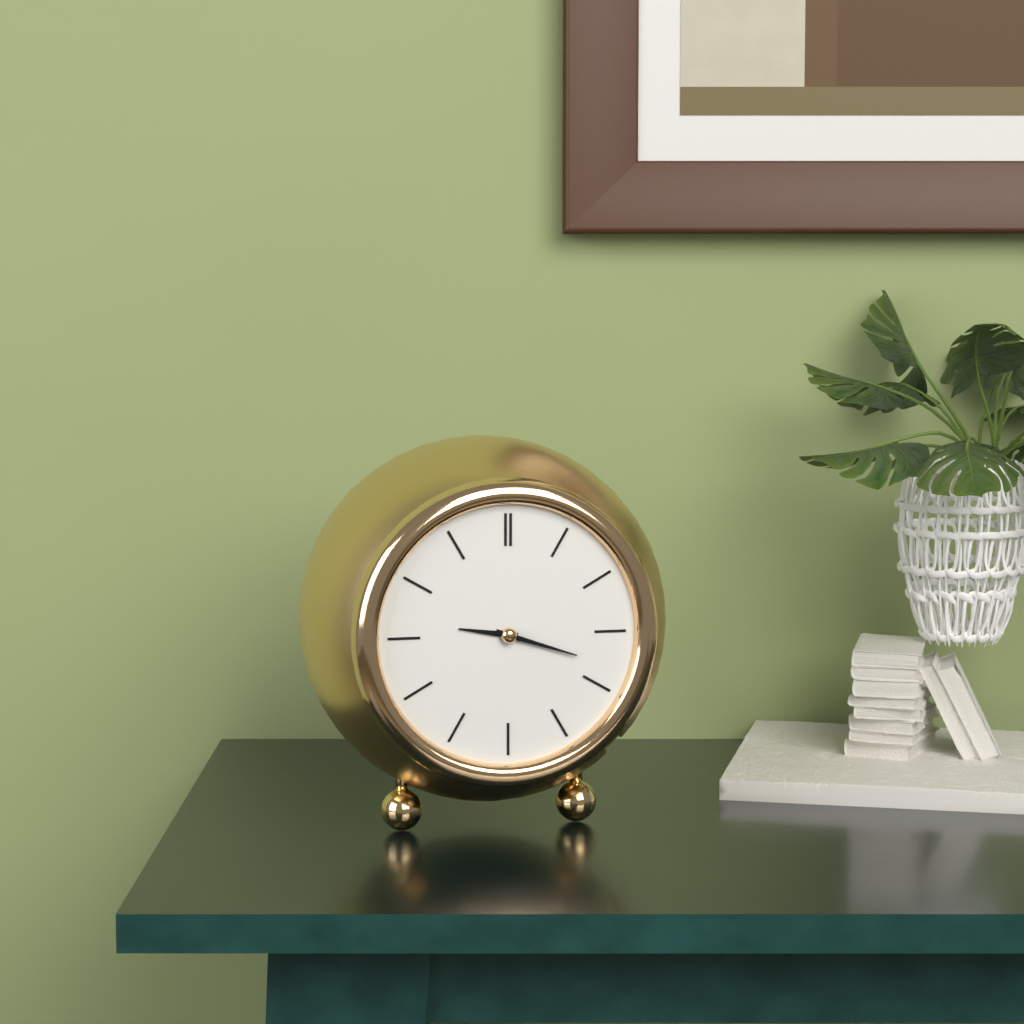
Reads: 9 h 18 min
